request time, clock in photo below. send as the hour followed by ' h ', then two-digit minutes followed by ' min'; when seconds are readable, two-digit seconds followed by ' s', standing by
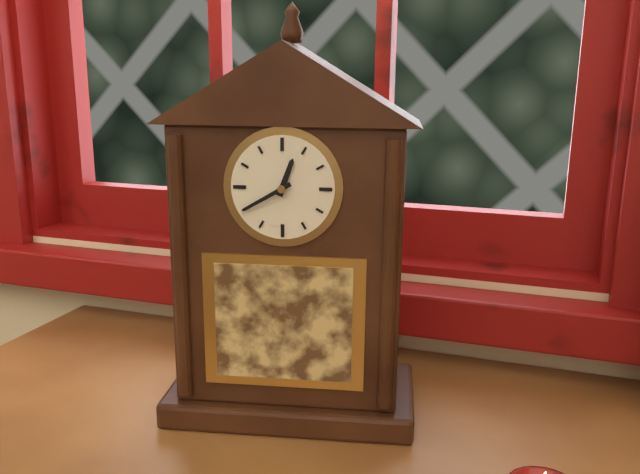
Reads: 12 h 40 min
